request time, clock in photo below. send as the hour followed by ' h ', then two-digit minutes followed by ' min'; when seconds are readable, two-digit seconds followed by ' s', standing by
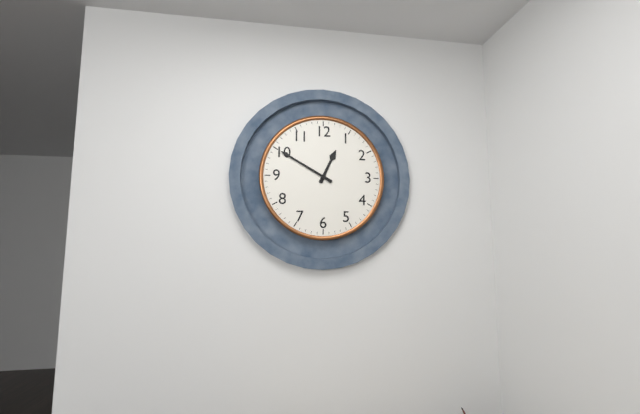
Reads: 12 h 50 min
